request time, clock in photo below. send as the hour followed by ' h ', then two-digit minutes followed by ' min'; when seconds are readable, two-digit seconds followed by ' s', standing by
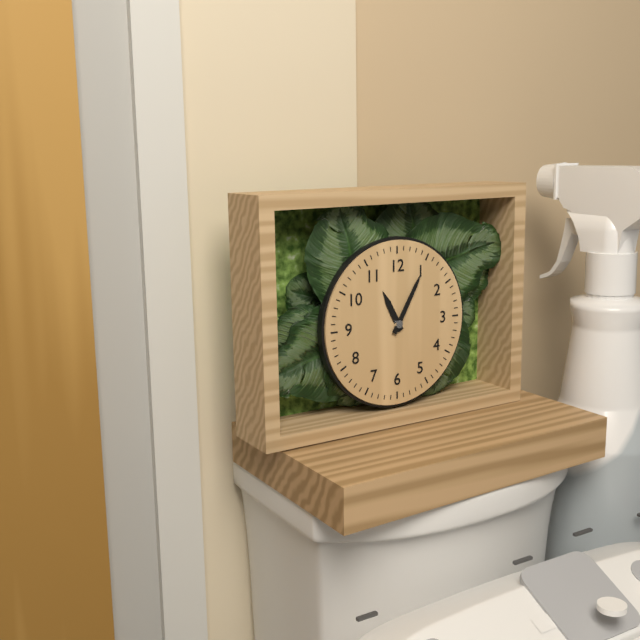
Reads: 11 h 05 min
